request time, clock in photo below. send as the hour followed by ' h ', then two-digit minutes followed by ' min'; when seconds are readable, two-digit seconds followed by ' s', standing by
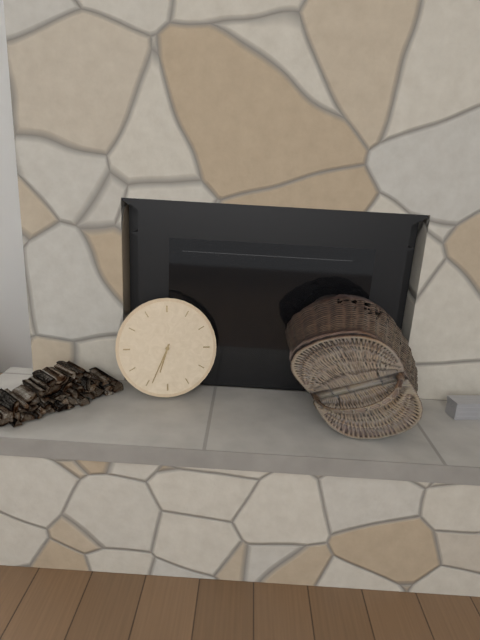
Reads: 6 h 34 min
